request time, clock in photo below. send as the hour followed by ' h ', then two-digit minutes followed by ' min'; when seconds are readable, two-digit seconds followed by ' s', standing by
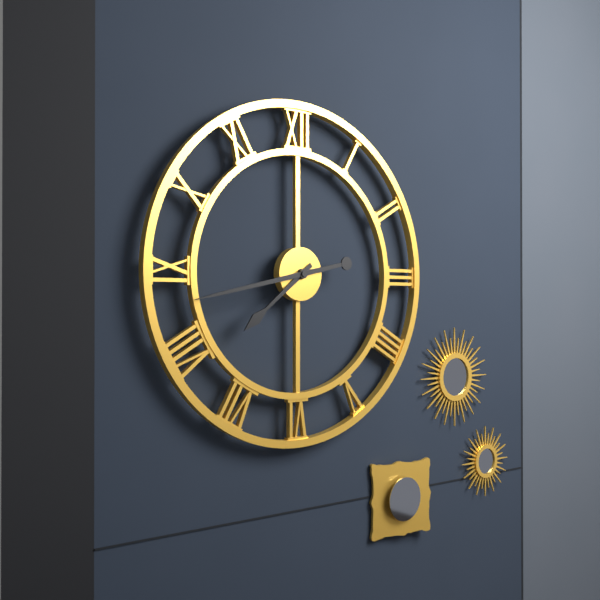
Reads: 7 h 43 min
